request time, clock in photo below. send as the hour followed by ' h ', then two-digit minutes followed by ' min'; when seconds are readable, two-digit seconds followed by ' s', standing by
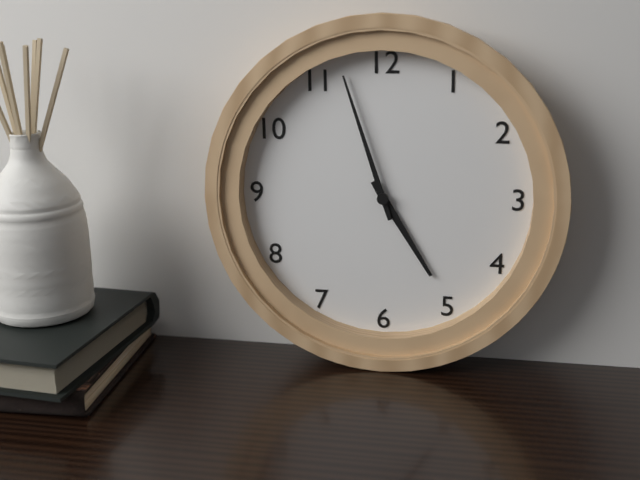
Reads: 4 h 57 min
